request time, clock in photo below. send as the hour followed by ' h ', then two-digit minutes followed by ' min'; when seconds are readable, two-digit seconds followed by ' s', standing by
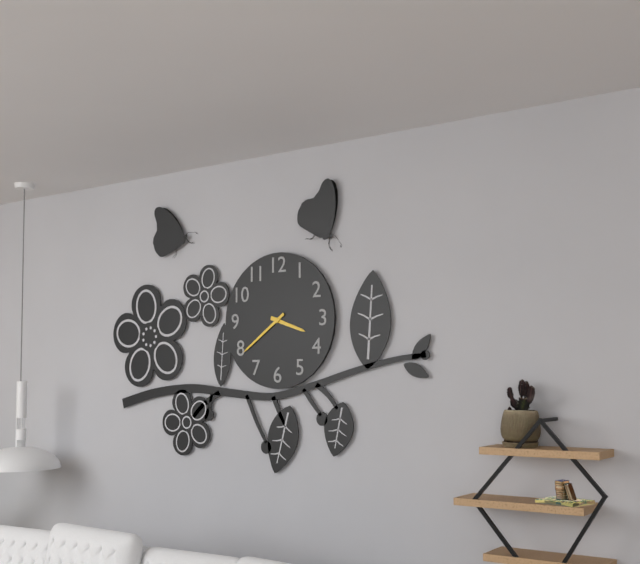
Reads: 3 h 39 min
